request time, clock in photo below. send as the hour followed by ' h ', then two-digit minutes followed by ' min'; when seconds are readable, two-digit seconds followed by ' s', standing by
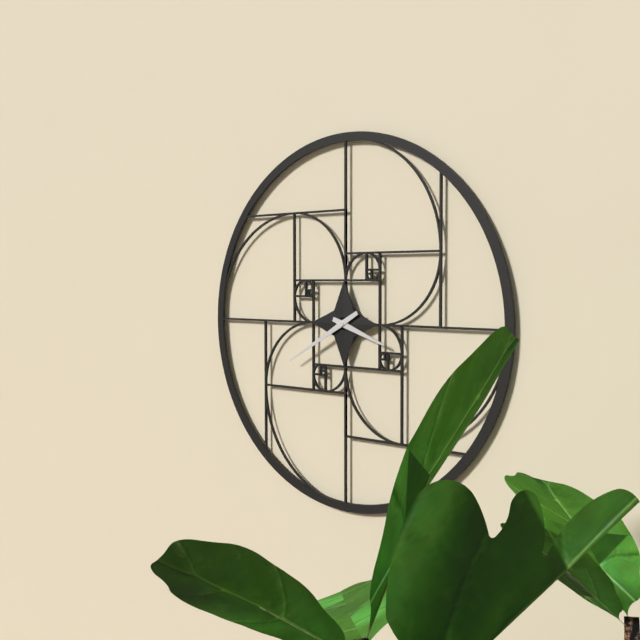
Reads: 3 h 40 min
